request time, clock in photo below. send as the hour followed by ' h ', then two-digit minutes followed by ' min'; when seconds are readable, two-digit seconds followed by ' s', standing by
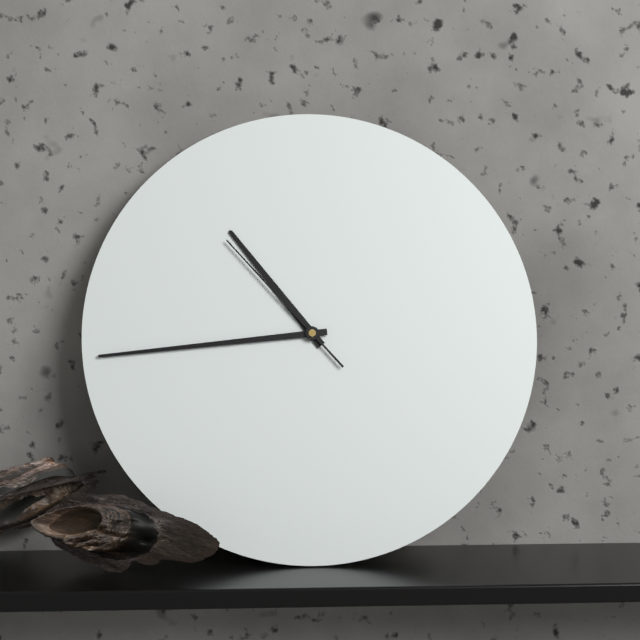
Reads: 10 h 44 min 53 s
